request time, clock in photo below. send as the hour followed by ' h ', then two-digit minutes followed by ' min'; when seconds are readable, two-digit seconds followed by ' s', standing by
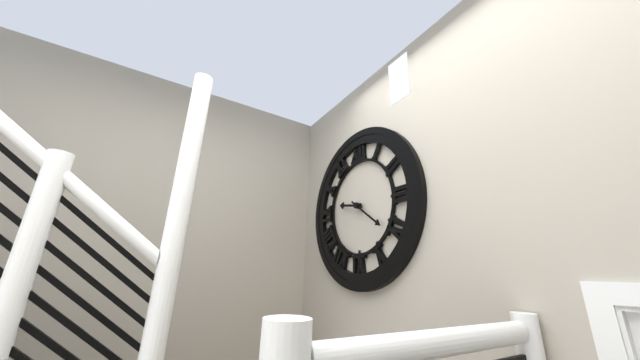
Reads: 9 h 21 min
